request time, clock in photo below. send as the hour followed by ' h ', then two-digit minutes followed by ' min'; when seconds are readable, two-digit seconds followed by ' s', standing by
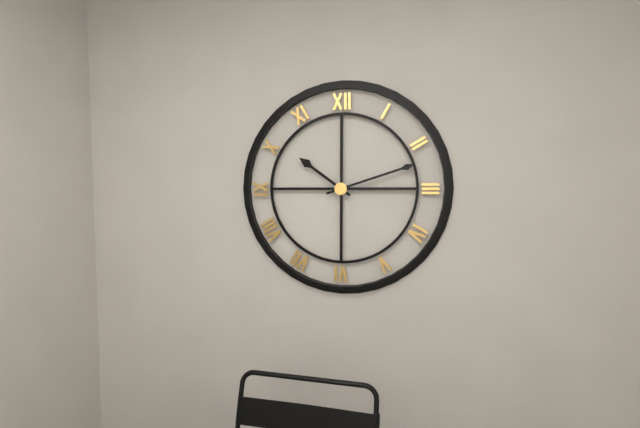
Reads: 10 h 12 min
